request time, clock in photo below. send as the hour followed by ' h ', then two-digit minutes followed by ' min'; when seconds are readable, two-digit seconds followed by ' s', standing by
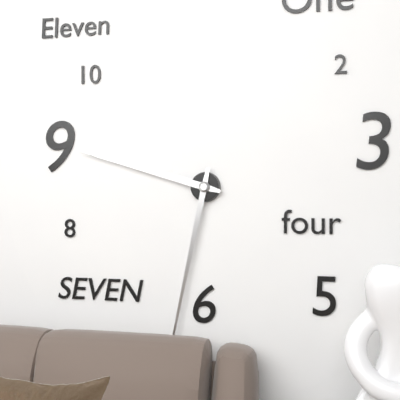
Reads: 9 h 32 min
